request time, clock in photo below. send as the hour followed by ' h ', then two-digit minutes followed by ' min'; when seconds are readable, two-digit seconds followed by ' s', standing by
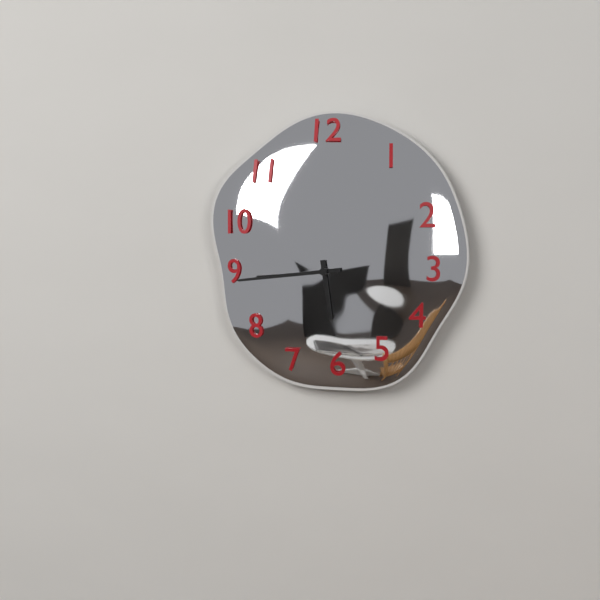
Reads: 5 h 44 min
